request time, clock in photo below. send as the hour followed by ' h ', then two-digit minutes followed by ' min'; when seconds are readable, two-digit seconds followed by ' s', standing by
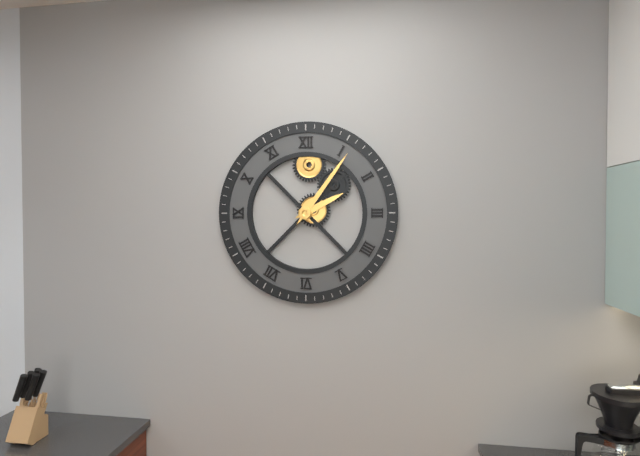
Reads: 2 h 06 min
